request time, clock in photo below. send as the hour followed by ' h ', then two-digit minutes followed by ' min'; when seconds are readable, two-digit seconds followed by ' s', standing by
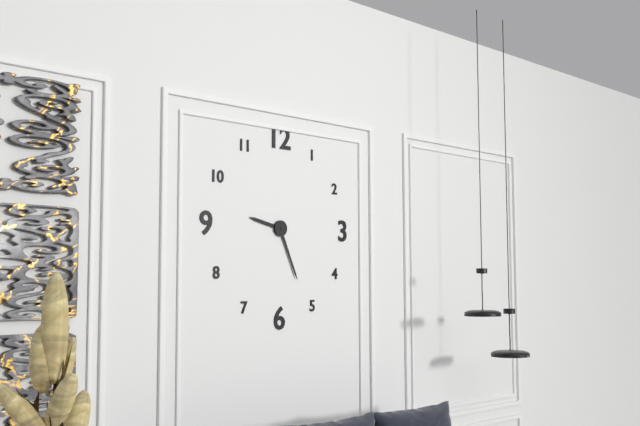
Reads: 9 h 26 min
